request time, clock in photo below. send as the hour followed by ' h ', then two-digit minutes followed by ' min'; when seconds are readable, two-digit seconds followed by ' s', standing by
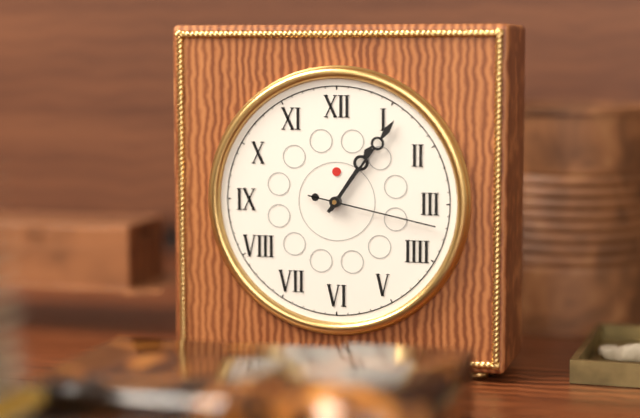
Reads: 1 h 06 min 17 s
